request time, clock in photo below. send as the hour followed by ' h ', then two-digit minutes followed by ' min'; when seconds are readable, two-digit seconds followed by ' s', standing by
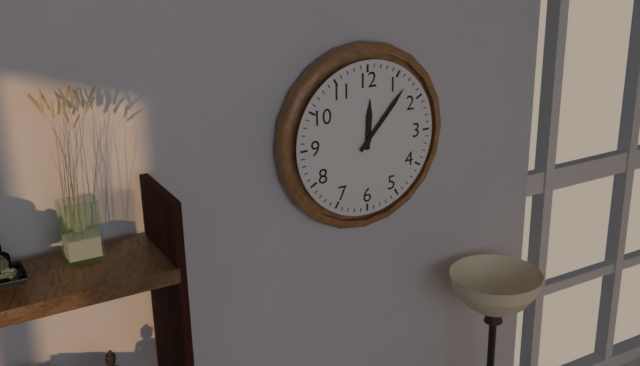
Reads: 12 h 07 min
